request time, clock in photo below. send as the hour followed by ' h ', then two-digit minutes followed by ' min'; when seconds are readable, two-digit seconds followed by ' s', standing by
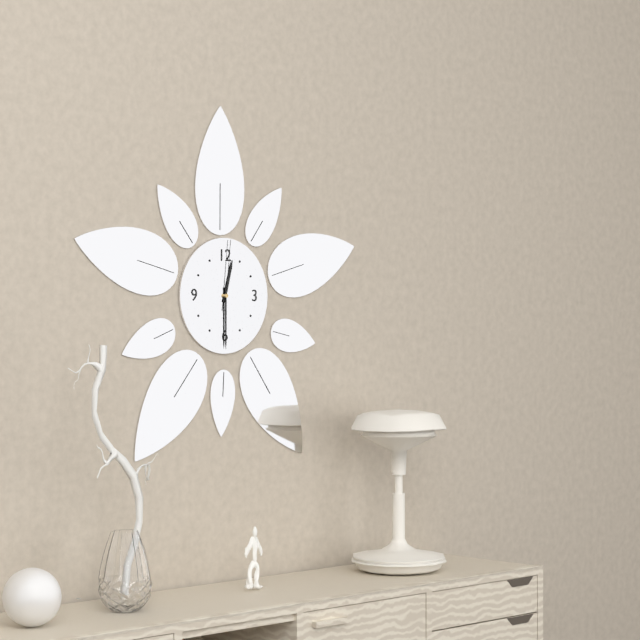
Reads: 12 h 30 min 01 s
